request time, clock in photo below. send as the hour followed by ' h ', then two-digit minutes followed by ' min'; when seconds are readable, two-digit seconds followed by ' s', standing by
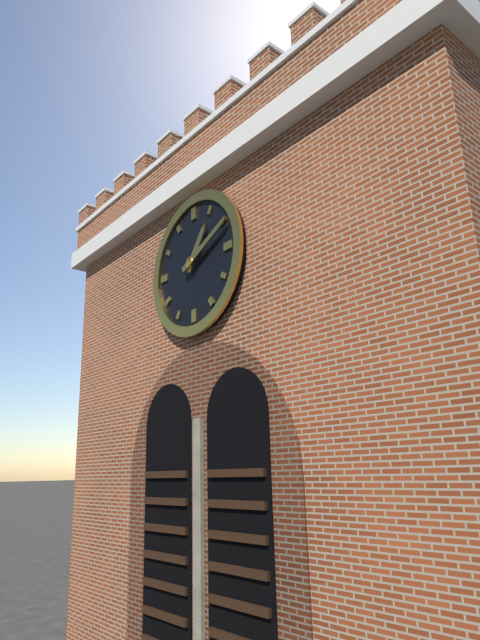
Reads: 1 h 11 min
